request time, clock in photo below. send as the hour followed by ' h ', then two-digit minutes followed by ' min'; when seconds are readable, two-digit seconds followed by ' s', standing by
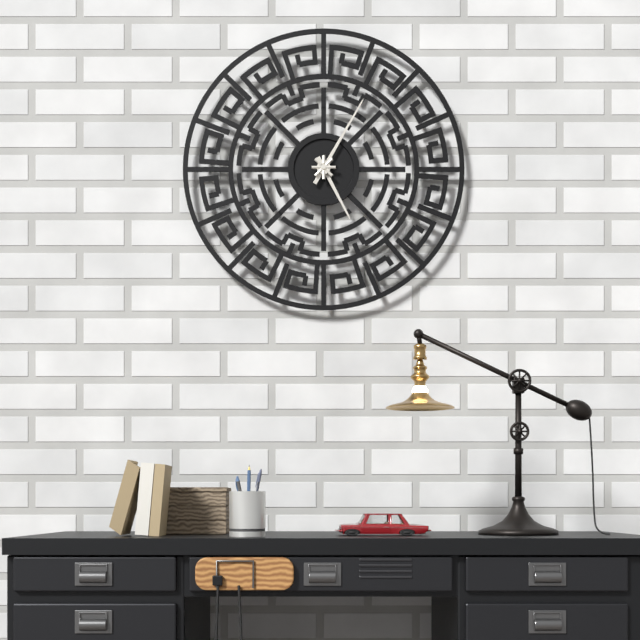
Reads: 5 h 05 min
